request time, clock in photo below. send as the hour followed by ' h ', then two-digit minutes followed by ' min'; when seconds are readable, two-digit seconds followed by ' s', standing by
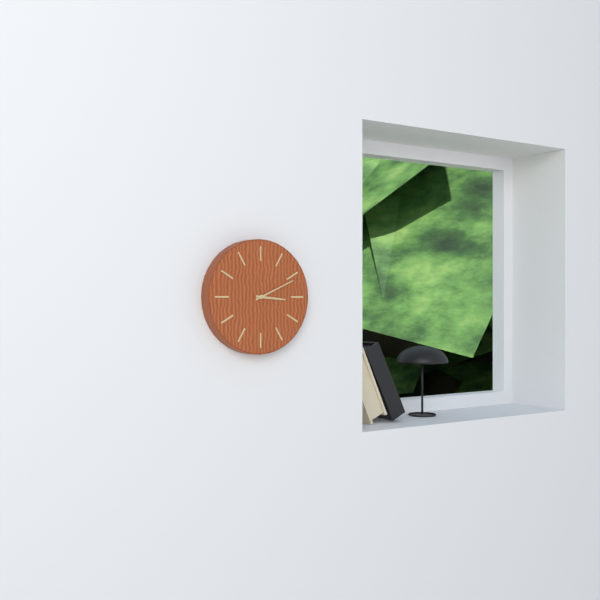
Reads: 3 h 11 min
